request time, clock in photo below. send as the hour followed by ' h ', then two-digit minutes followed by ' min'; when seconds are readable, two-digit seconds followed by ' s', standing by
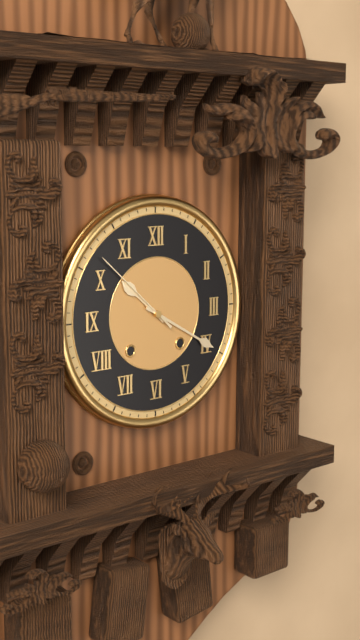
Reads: 10 h 20 min 52 s
